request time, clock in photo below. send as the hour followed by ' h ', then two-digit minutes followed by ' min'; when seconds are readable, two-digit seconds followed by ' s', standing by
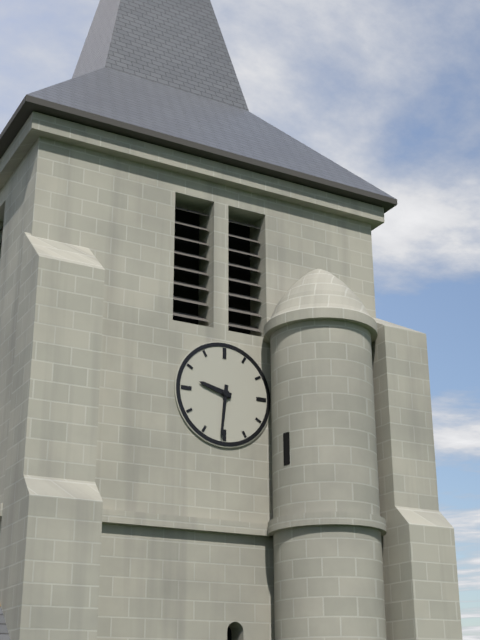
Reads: 9 h 31 min
